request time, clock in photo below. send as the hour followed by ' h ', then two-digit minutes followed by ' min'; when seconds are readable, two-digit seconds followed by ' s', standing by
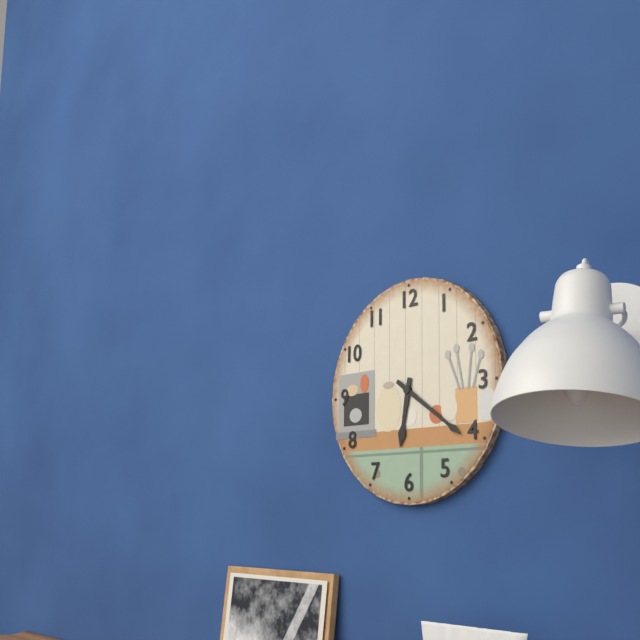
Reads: 6 h 21 min
